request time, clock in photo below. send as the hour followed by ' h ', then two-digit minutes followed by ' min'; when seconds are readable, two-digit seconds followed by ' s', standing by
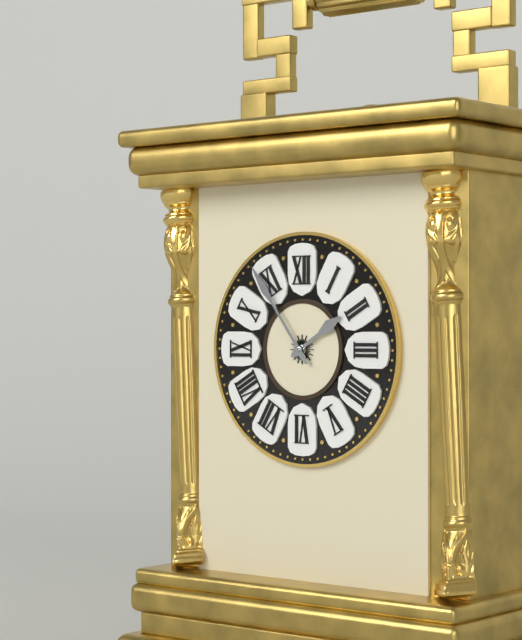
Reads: 1 h 54 min
